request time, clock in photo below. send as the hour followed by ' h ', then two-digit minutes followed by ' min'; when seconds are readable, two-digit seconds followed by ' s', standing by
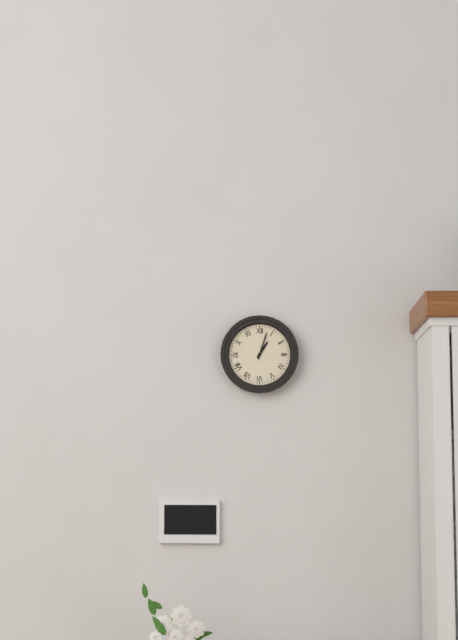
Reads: 1 h 03 min
